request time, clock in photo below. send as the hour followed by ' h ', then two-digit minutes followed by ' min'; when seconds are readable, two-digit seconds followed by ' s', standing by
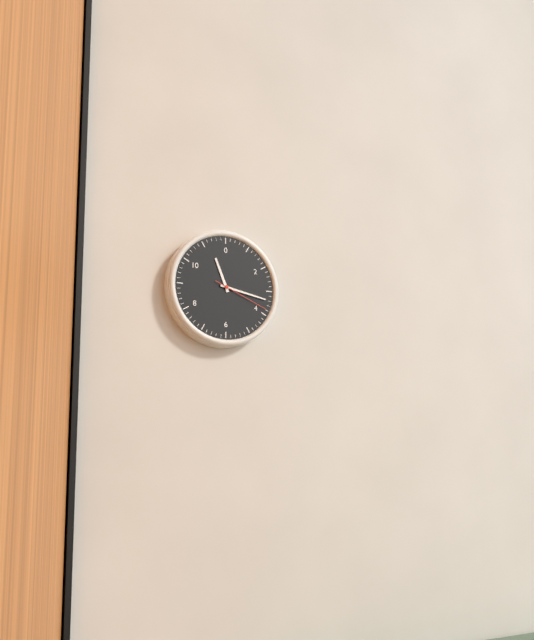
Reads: 11 h 17 min 19 s
